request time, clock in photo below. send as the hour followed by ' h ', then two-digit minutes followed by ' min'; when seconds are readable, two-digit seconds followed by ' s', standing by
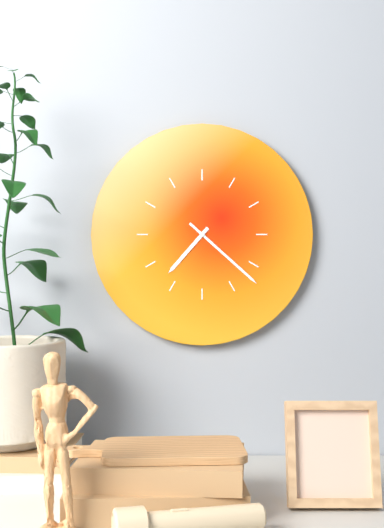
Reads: 7 h 22 min
